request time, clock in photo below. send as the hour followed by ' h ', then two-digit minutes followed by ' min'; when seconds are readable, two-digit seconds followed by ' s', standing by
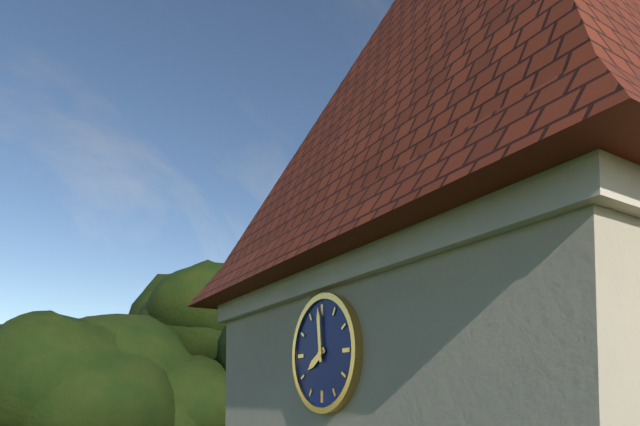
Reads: 7 h 59 min
